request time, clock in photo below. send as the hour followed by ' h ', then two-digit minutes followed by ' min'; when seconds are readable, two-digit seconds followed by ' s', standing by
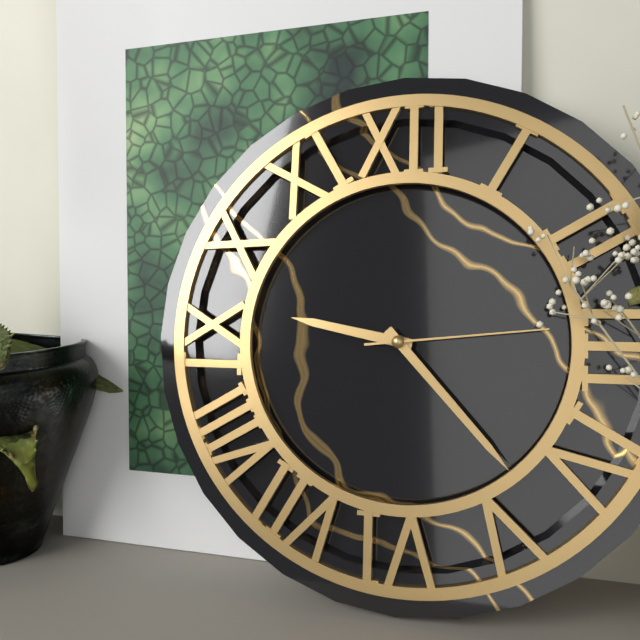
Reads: 9 h 23 min 14 s
